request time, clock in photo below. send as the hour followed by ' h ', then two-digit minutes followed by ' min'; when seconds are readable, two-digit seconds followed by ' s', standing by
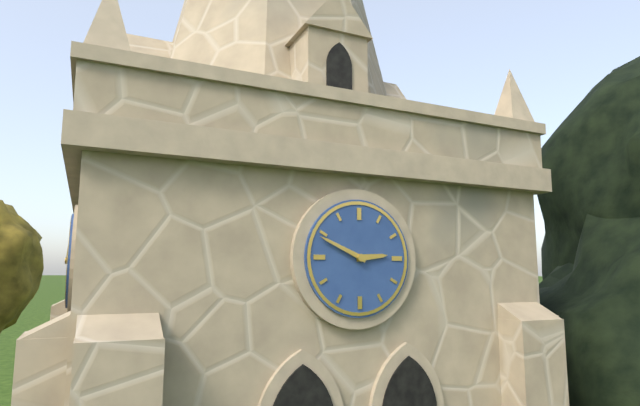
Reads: 2 h 49 min
